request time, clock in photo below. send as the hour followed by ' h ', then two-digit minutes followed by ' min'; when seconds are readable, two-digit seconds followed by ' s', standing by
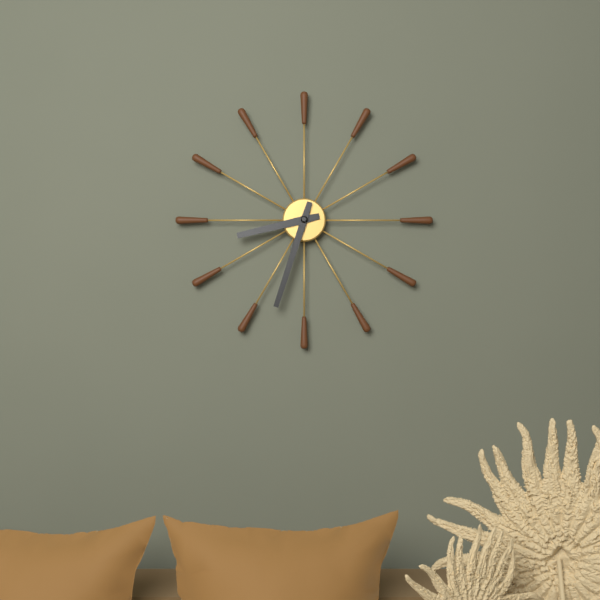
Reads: 8 h 33 min
